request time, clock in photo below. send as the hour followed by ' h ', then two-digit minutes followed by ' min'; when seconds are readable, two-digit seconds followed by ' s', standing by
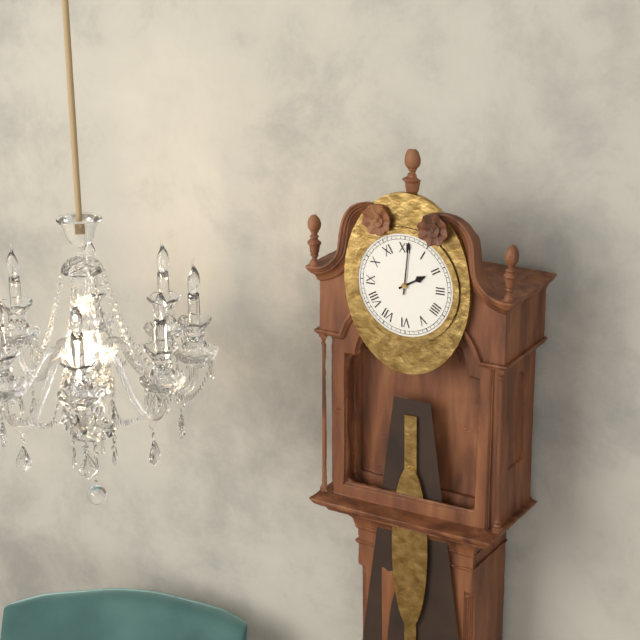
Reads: 2 h 01 min
